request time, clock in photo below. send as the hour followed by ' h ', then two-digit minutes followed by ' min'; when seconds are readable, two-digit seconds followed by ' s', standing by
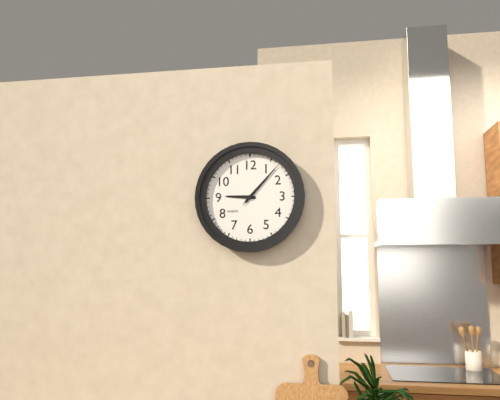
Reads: 9 h 07 min 07 s
